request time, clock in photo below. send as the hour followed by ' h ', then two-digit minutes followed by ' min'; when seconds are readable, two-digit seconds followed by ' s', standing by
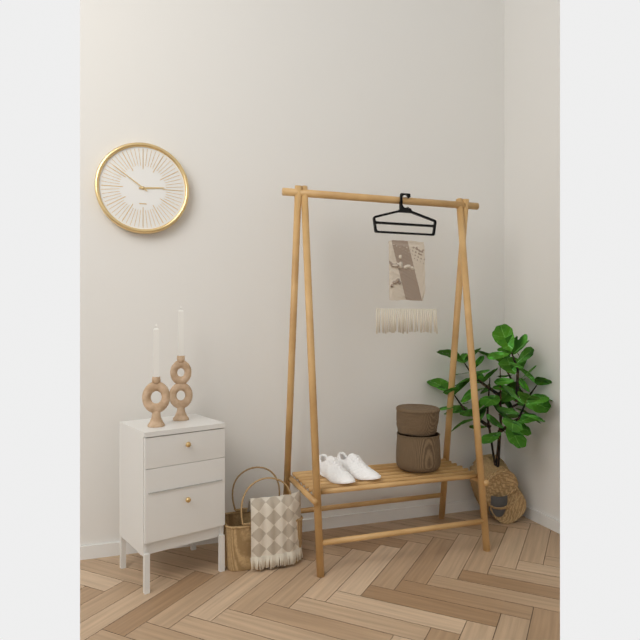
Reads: 2 h 51 min
